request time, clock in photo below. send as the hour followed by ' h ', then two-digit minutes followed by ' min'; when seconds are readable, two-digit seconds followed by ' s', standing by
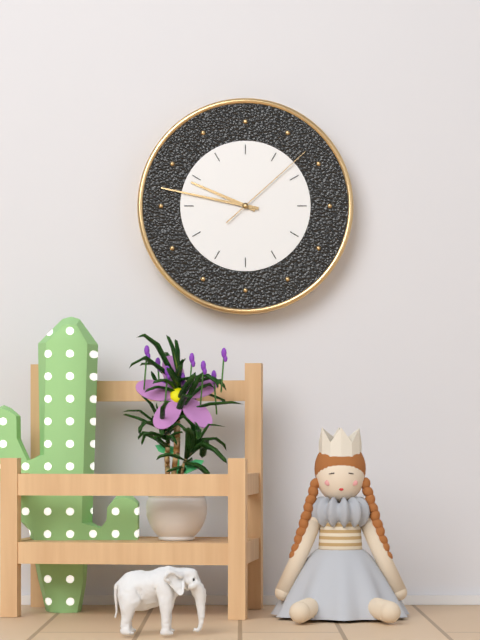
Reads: 9 h 47 min 08 s
